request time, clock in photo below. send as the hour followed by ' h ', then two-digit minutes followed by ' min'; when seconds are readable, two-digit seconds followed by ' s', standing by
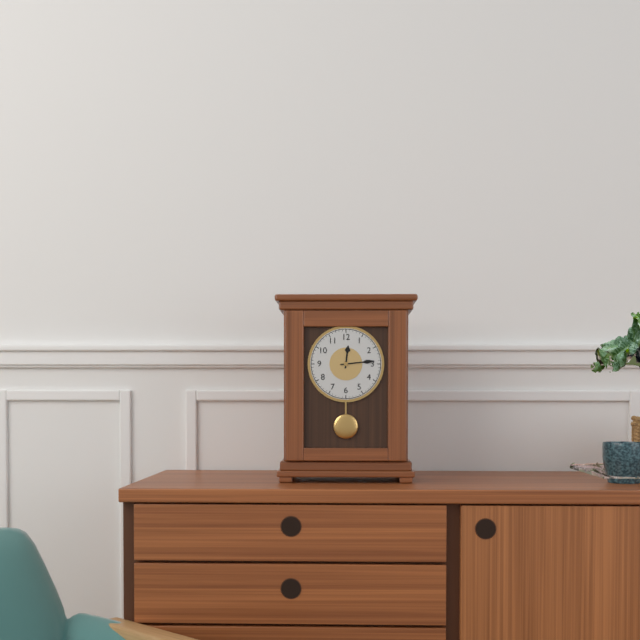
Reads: 12 h 14 min
